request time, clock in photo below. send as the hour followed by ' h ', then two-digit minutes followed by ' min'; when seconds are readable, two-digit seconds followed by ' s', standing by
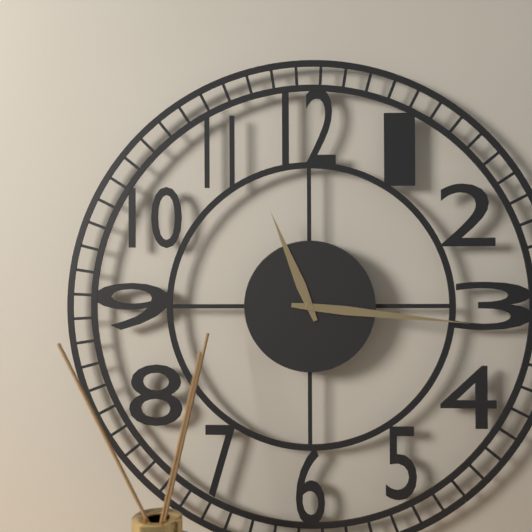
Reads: 11 h 16 min
